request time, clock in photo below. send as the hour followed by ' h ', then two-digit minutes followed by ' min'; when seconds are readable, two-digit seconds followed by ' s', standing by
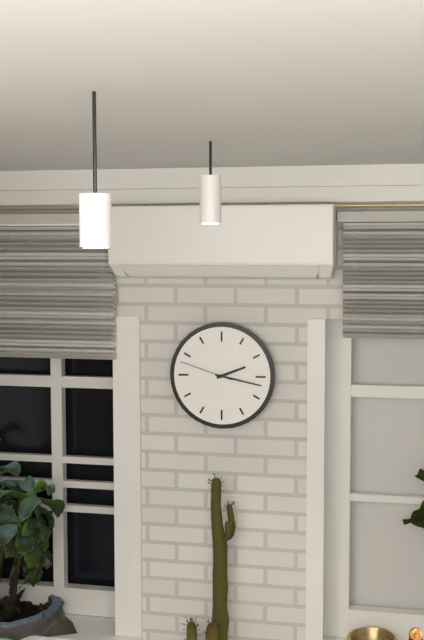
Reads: 2 h 17 min 48 s
